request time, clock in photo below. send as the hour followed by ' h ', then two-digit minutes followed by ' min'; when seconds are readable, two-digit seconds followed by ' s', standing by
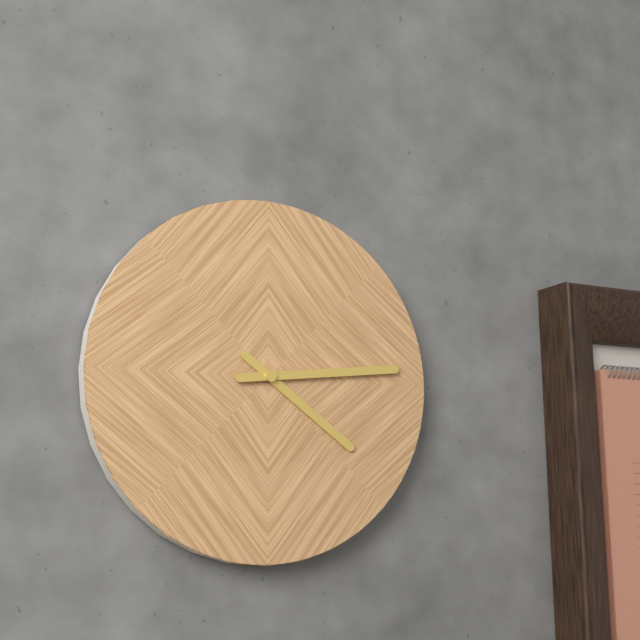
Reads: 4 h 14 min
